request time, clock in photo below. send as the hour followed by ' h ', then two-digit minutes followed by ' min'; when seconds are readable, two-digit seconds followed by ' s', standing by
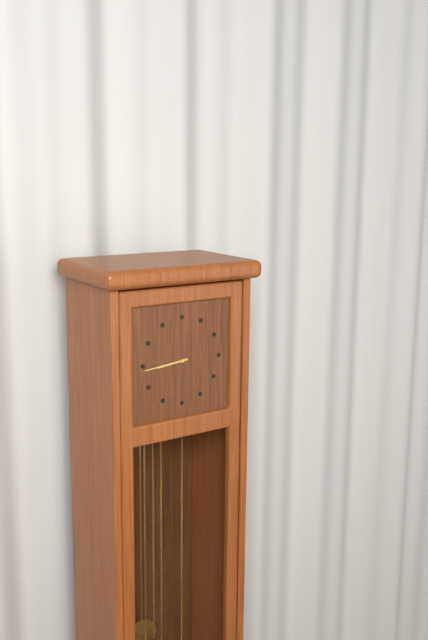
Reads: 8 h 44 min
